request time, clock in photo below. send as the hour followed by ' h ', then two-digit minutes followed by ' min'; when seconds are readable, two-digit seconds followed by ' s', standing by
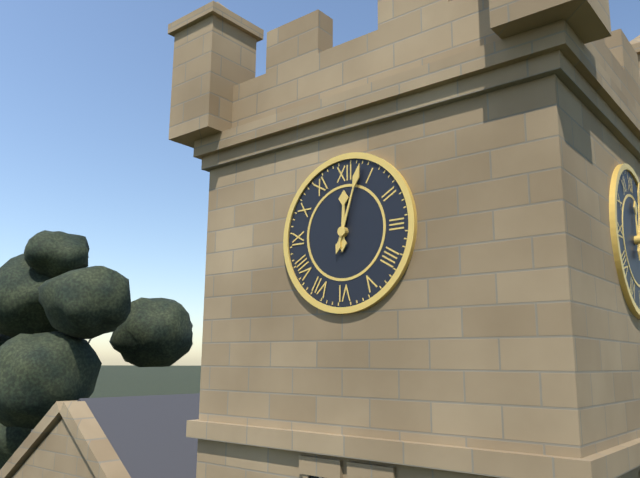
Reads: 12 h 03 min
